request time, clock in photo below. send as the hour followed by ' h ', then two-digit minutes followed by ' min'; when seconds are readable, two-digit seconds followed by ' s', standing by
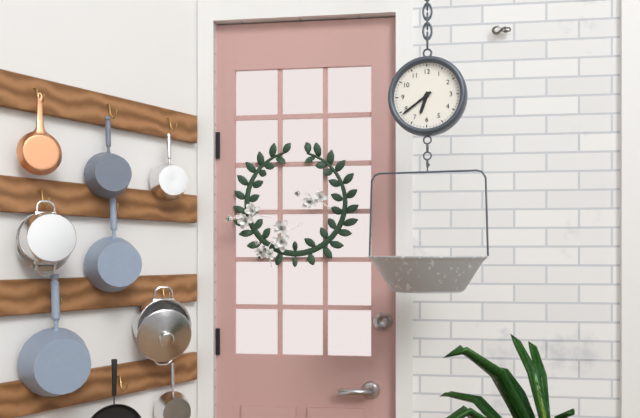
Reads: 6 h 39 min
